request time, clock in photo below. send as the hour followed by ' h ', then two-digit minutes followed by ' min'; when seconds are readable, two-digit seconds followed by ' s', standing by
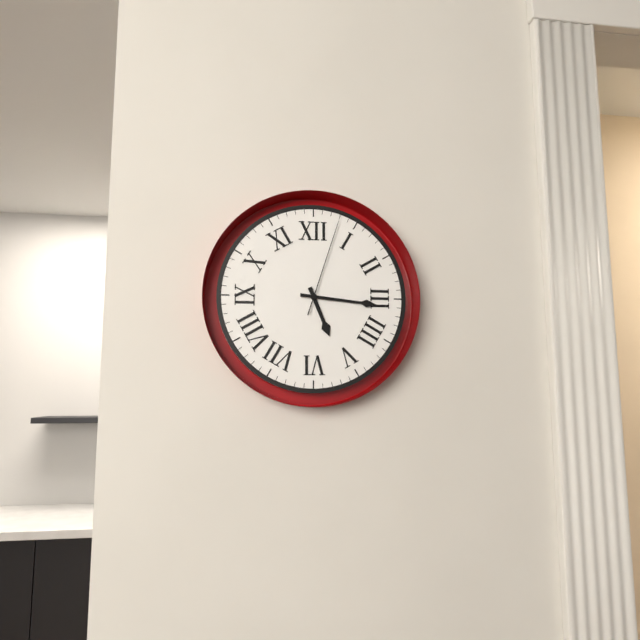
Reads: 5 h 16 min 03 s
